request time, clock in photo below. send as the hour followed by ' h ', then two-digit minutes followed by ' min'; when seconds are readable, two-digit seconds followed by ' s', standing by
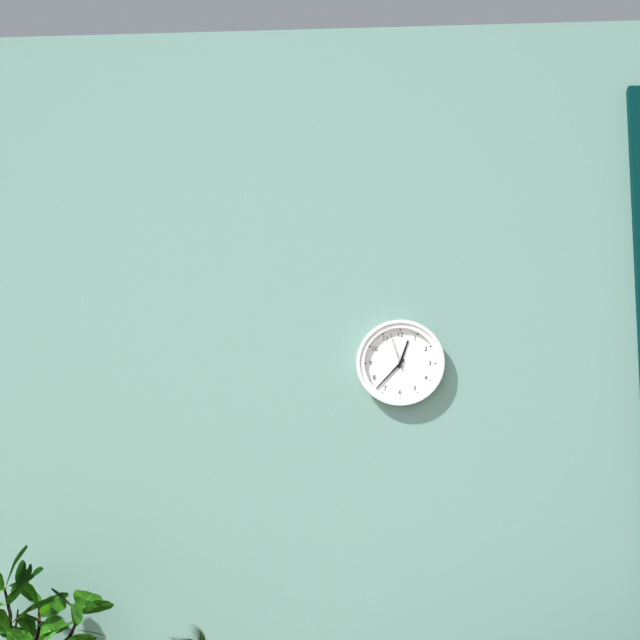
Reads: 12 h 37 min
